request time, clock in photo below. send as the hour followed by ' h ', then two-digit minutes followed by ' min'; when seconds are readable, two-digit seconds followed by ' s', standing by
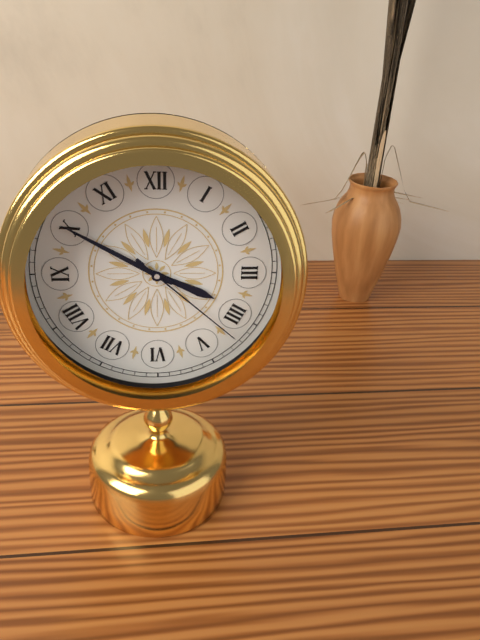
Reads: 3 h 50 min 22 s
